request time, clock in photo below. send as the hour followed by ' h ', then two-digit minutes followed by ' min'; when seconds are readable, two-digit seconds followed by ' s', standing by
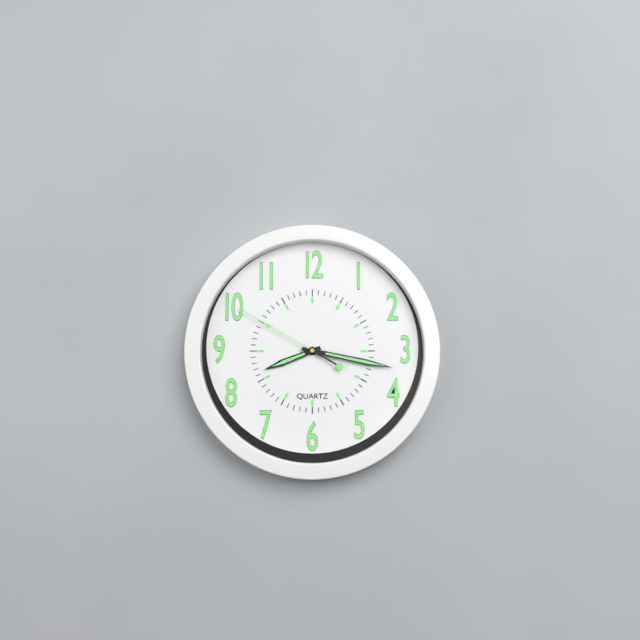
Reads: 8 h 17 min 50 s
